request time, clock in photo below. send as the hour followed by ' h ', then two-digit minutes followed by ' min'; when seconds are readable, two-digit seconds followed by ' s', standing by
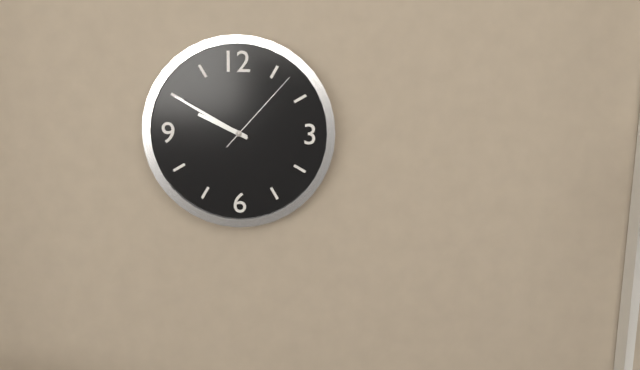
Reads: 9 h 50 min 07 s
